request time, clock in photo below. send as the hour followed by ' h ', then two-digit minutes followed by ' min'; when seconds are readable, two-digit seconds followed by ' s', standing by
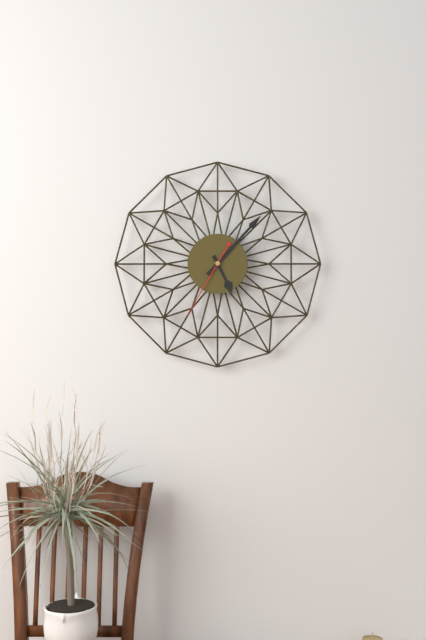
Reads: 5 h 07 min 35 s
